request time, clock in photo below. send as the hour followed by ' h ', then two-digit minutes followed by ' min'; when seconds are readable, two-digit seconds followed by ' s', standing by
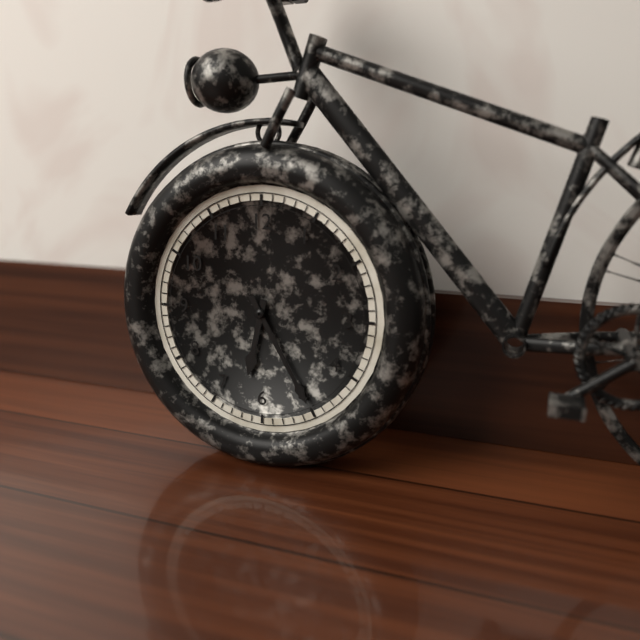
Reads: 6 h 25 min
